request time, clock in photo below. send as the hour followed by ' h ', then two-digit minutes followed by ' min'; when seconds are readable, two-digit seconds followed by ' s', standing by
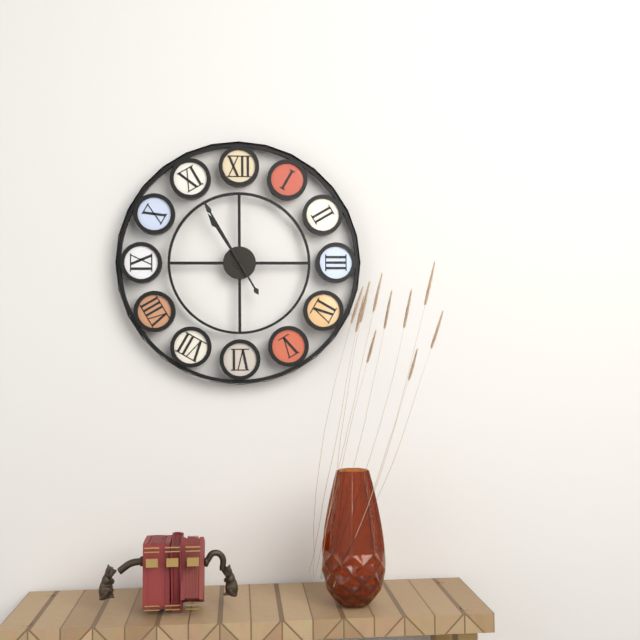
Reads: 10 h 55 min
